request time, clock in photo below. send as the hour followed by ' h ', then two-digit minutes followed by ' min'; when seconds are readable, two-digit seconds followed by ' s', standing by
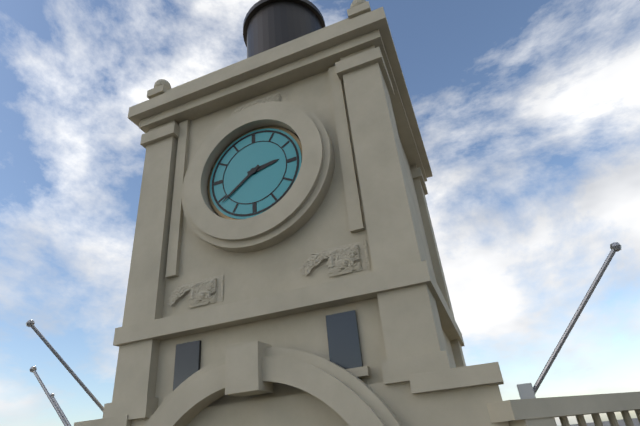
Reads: 2 h 39 min
